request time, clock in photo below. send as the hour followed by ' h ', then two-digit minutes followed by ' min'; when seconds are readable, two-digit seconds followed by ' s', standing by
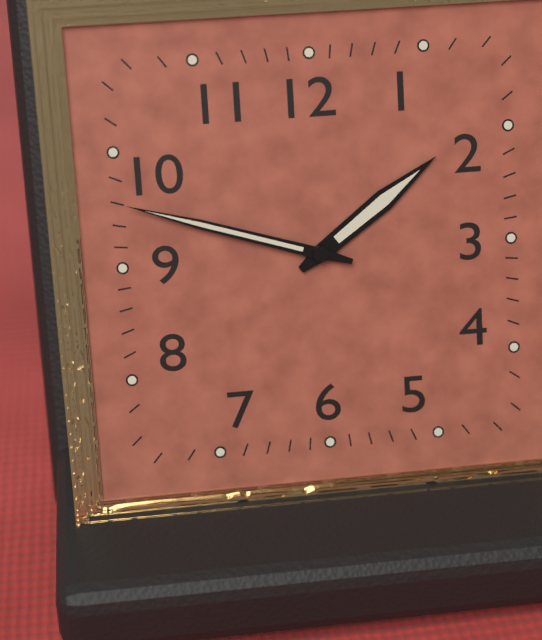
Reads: 1 h 48 min
